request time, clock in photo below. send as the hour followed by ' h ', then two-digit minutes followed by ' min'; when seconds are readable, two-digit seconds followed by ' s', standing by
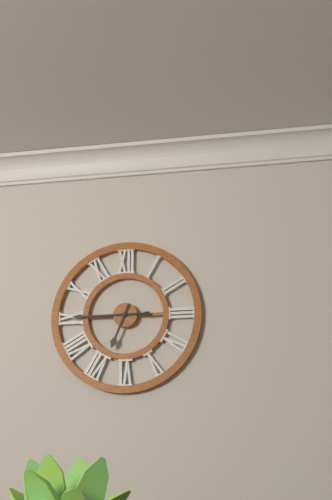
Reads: 6 h 45 min
